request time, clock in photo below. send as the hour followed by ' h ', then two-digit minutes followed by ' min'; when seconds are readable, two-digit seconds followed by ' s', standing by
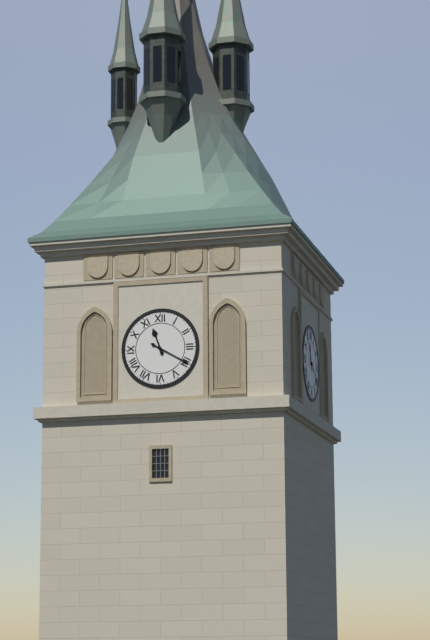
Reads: 11 h 20 min
